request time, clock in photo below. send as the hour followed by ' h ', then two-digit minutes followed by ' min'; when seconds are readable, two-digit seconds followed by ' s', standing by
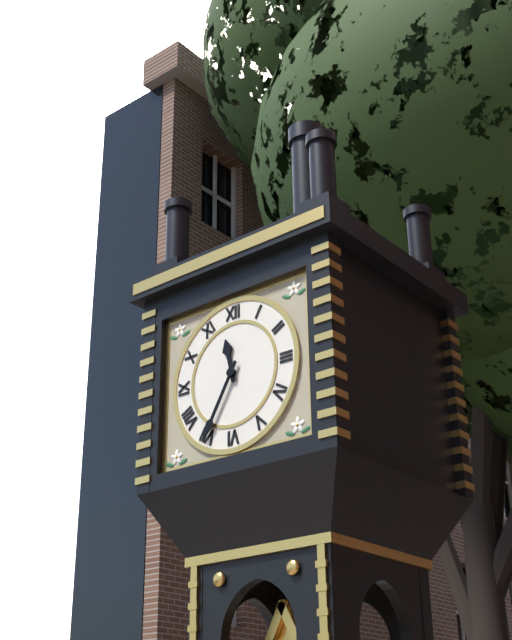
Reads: 11 h 35 min
